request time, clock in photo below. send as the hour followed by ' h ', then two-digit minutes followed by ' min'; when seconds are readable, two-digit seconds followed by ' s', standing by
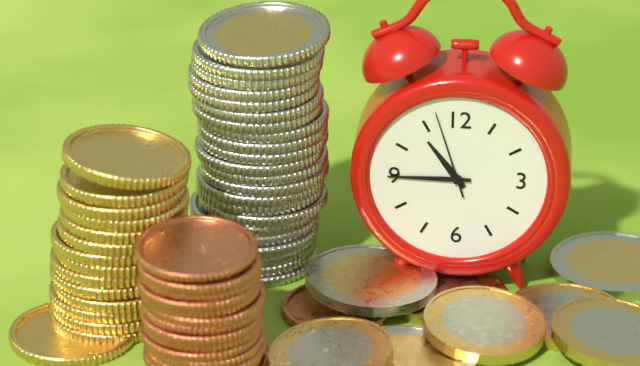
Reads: 10 h 45 min 57 s
